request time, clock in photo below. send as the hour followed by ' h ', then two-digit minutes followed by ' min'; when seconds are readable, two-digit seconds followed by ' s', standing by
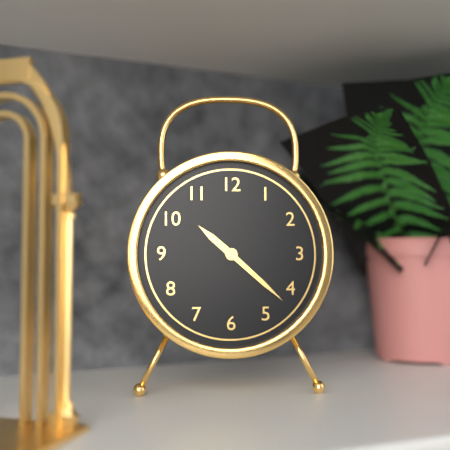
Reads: 10 h 22 min
